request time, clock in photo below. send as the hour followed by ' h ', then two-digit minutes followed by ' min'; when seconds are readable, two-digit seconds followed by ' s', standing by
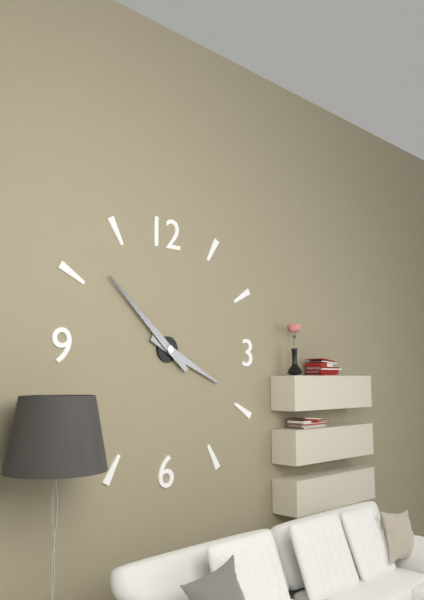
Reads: 3 h 52 min
